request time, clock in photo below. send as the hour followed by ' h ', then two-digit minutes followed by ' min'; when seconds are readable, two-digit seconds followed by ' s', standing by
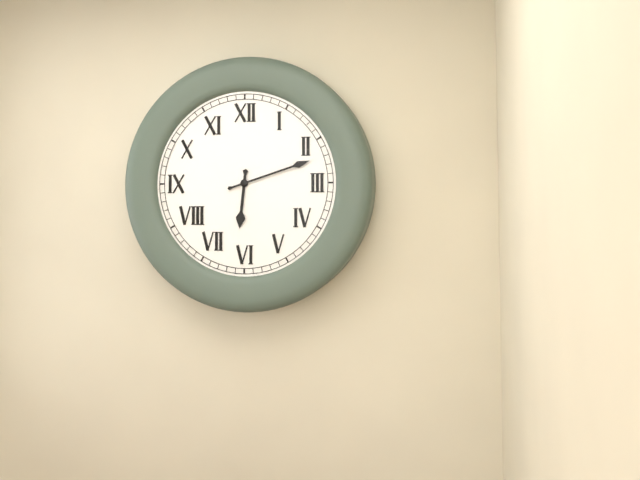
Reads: 6 h 12 min
